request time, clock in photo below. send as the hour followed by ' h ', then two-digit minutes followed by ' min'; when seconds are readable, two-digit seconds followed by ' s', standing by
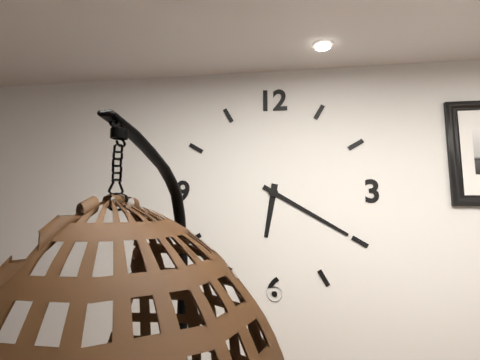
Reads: 6 h 20 min
